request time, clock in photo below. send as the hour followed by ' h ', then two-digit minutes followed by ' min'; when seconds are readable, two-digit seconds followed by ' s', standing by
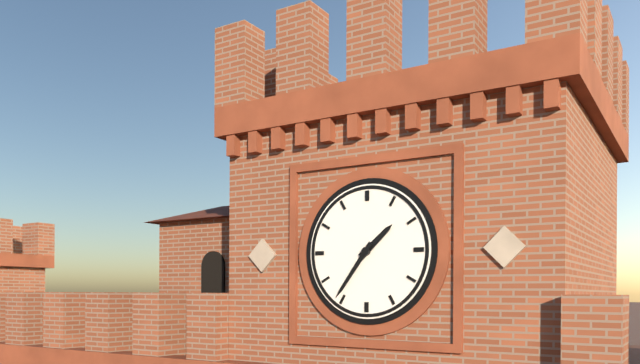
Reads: 1 h 36 min
